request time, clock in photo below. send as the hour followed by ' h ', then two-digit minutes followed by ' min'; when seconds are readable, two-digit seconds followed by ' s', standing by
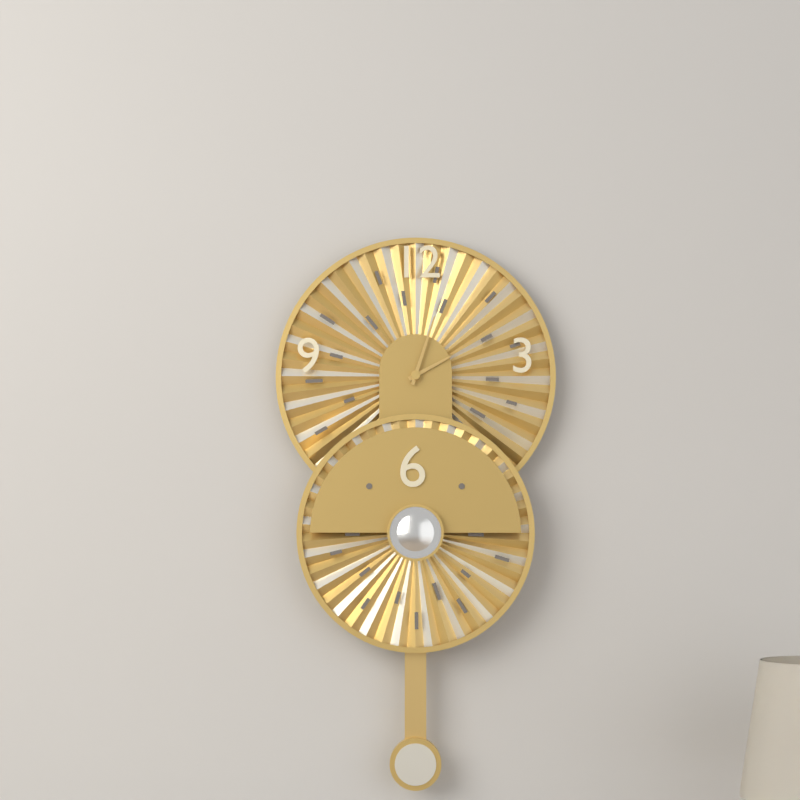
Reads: 2 h 03 min
